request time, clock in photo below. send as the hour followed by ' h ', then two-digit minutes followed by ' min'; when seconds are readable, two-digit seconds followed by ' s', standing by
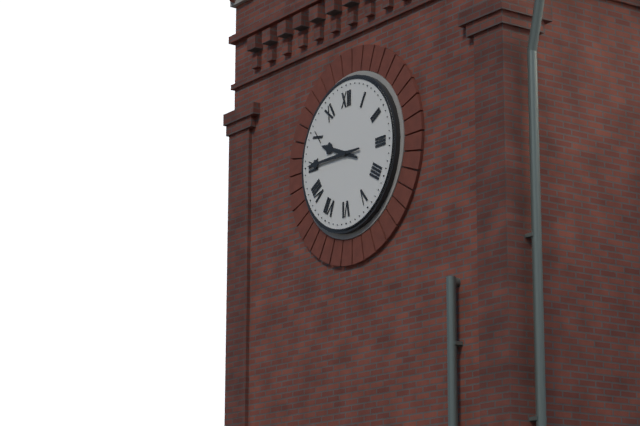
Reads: 9 h 45 min
